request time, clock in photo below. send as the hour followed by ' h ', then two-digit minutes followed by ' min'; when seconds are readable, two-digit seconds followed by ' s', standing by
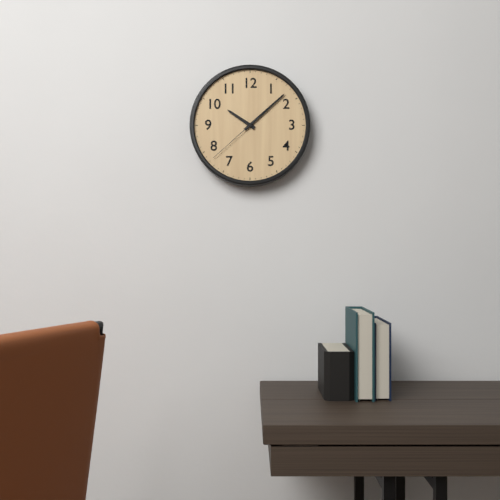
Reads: 10 h 08 min 38 s
